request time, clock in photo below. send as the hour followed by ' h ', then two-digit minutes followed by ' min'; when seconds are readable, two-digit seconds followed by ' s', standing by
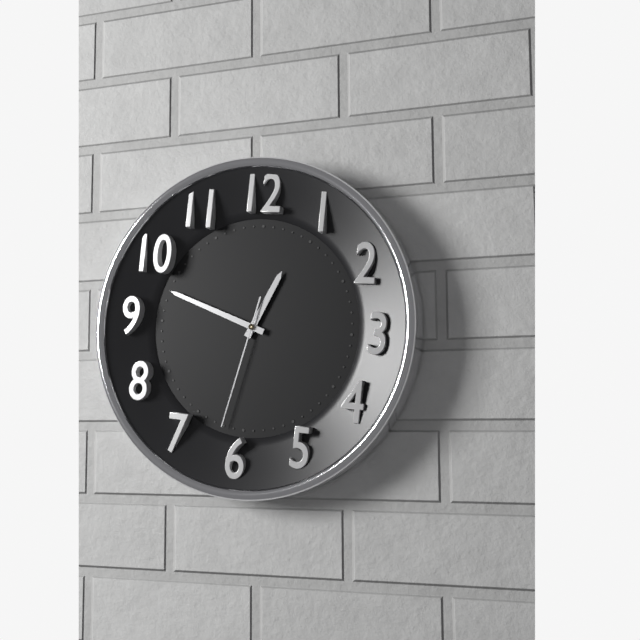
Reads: 12 h 48 min 32 s
